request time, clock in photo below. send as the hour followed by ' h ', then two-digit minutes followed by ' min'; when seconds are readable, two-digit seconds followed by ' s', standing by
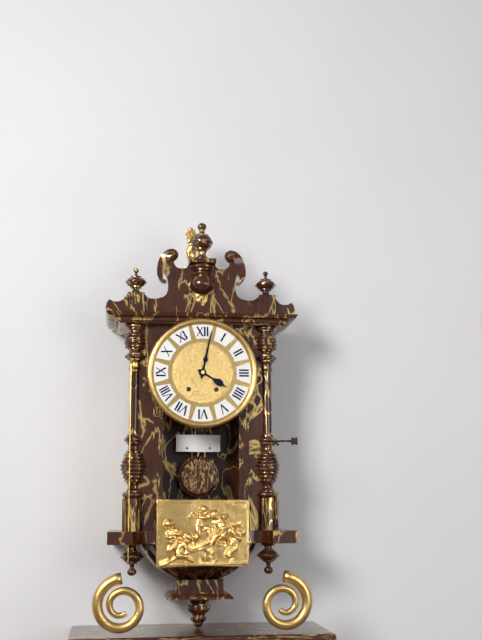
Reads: 4 h 02 min
